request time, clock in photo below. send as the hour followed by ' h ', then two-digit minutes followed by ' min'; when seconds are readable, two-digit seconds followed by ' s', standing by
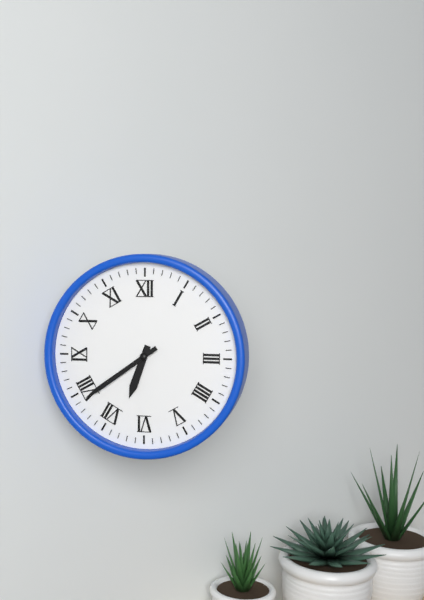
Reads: 6 h 39 min
